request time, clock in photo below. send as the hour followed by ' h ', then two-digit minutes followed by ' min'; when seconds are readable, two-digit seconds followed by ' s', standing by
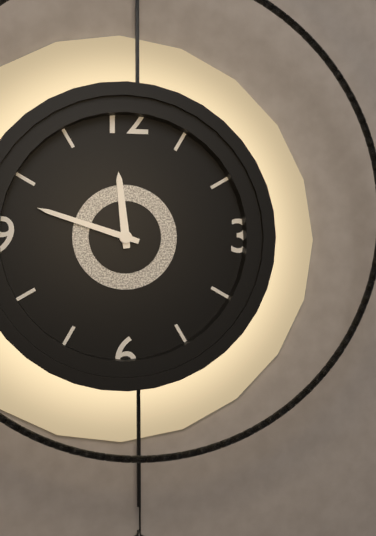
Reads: 11 h 48 min
